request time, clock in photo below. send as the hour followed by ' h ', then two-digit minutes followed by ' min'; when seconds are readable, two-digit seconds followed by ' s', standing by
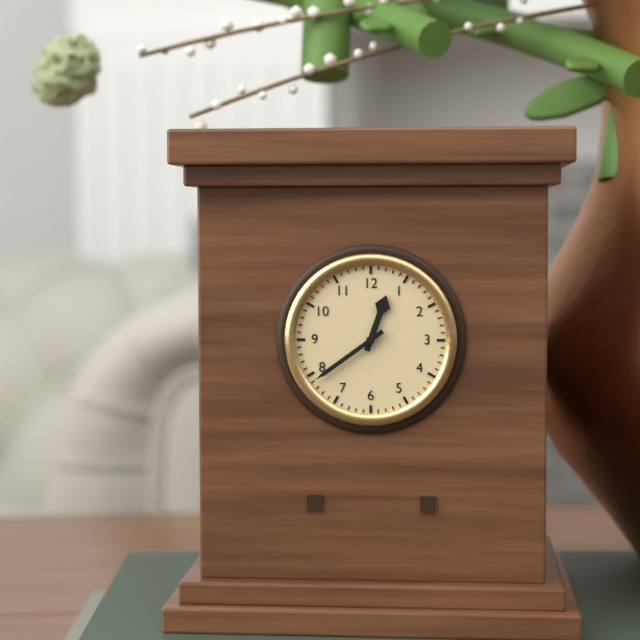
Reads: 12 h 39 min
